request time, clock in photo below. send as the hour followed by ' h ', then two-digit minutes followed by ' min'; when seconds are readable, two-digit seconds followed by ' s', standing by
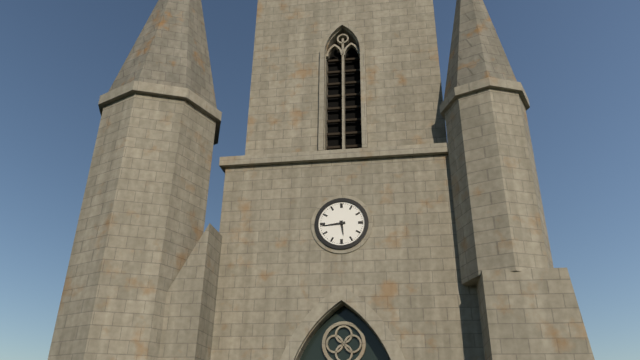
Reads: 5 h 44 min
